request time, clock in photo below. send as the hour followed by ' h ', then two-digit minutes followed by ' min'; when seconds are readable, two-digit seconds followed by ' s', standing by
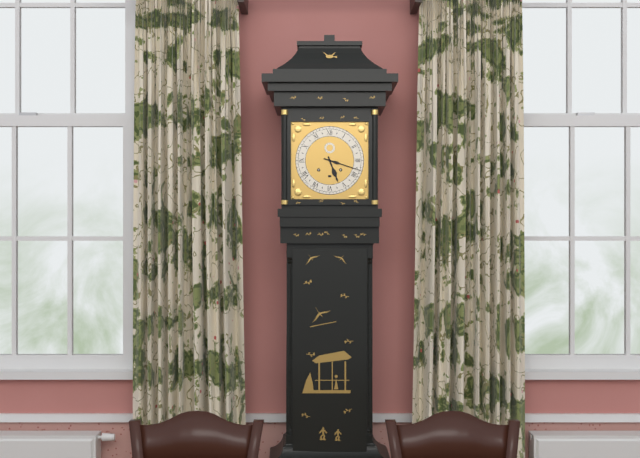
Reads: 5 h 18 min
